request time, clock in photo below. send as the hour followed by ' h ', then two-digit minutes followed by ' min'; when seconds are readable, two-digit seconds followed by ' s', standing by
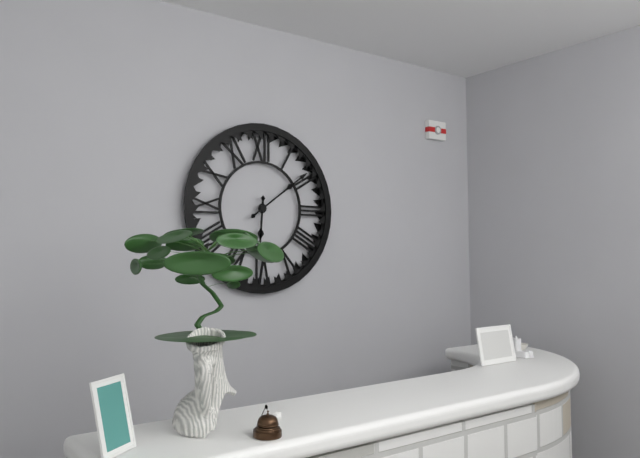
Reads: 6 h 09 min
